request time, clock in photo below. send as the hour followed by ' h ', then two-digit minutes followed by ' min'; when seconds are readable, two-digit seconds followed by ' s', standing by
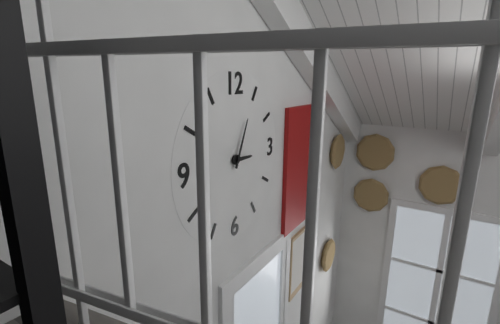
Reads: 3 h 04 min
